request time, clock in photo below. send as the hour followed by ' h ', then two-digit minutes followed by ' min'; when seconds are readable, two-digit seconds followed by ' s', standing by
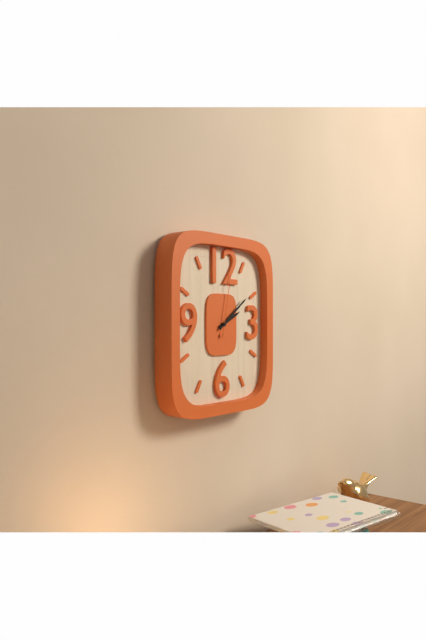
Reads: 2 h 09 min 02 s
